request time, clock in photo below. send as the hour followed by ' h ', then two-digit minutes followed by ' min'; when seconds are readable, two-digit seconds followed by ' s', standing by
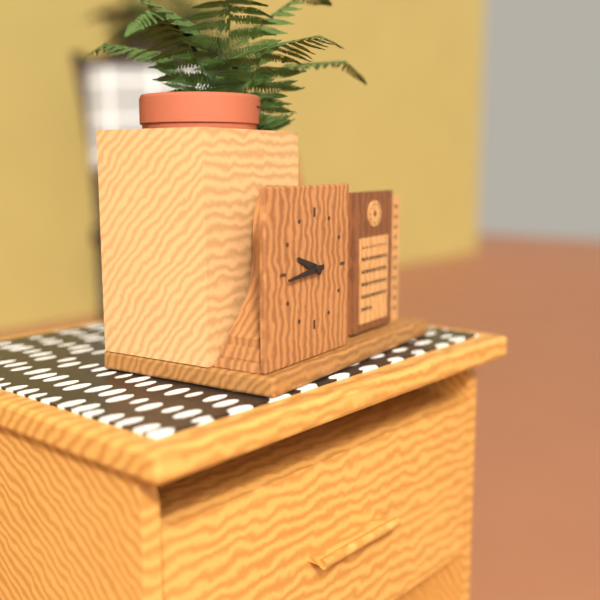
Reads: 9 h 44 min
